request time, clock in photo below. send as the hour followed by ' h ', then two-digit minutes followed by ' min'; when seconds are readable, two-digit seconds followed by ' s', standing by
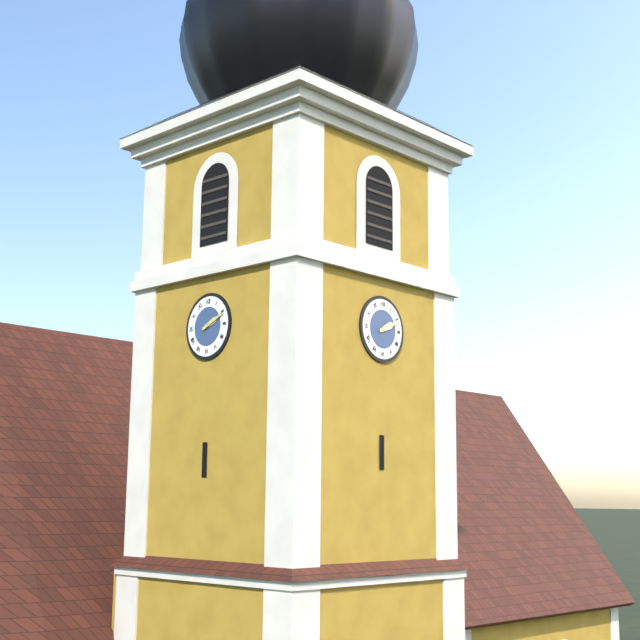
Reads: 2 h 11 min
